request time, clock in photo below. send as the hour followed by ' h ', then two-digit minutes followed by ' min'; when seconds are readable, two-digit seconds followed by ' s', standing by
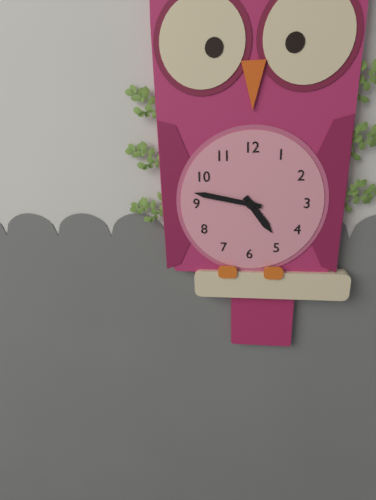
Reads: 4 h 47 min
